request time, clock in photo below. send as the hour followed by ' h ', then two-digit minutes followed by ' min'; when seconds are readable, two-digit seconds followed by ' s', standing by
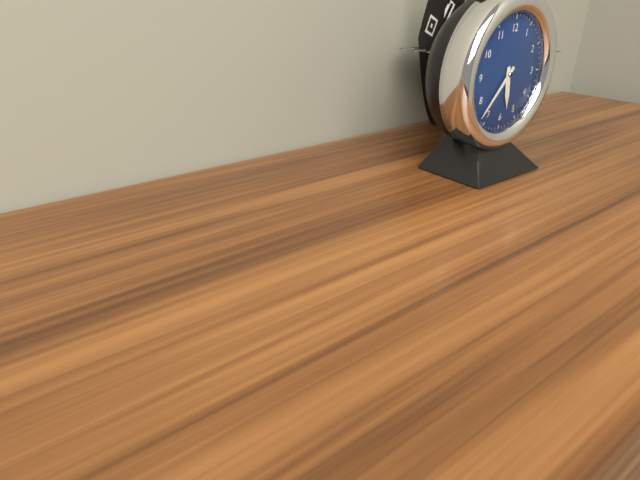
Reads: 5 h 37 min
